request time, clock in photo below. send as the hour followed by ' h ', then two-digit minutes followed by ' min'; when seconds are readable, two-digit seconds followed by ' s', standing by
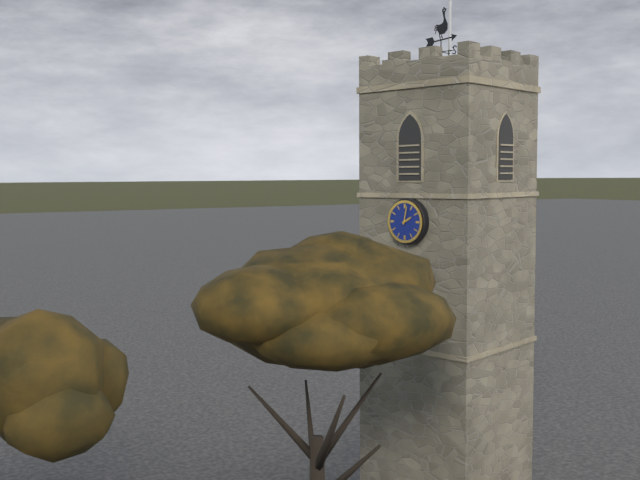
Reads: 2 h 02 min
